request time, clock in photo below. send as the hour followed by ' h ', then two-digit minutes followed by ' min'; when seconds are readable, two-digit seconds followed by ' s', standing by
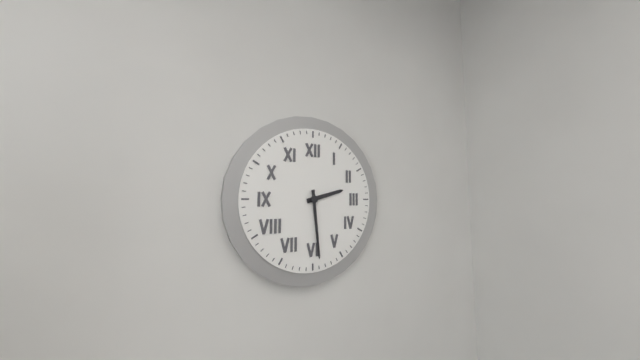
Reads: 2 h 29 min
